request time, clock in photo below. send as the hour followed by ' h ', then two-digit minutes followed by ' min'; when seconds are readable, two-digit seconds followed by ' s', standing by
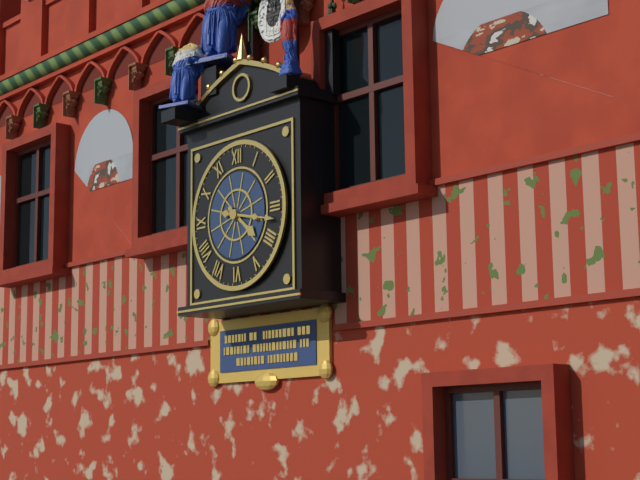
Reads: 4 h 17 min
